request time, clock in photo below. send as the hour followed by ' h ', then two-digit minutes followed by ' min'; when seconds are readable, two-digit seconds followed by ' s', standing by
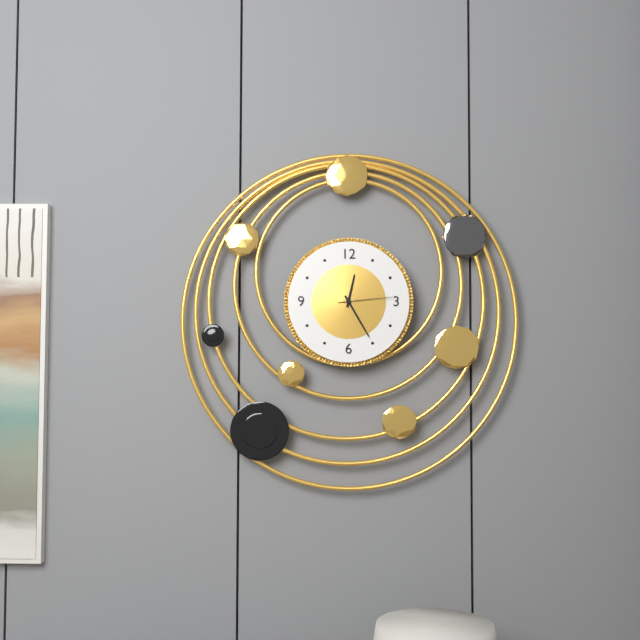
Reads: 12 h 25 min 14 s
